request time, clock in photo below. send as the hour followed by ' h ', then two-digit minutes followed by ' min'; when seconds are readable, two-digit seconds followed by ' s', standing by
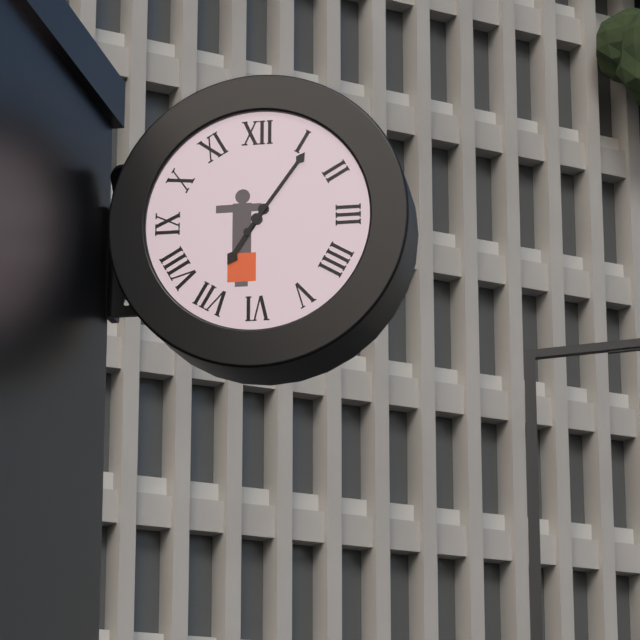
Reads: 7 h 06 min
